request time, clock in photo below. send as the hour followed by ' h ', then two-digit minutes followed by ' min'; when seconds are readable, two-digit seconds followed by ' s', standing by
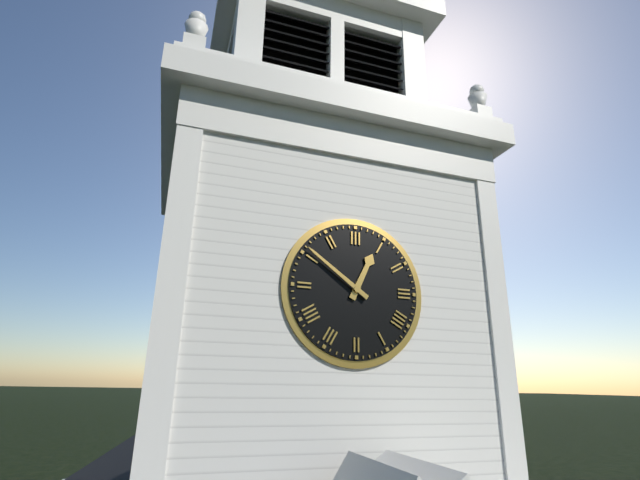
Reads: 12 h 51 min
